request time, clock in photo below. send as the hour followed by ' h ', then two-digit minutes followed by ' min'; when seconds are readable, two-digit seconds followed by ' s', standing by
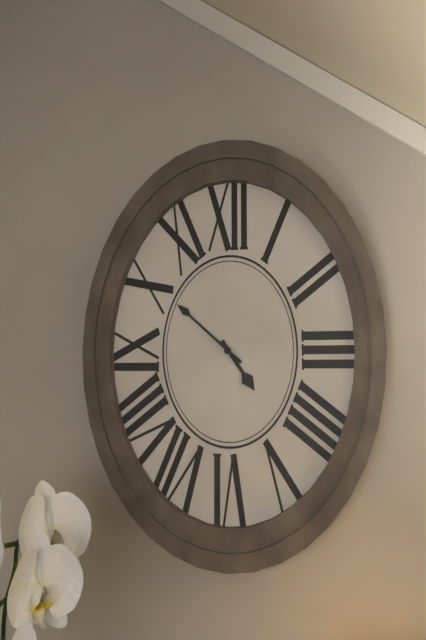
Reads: 4 h 52 min
